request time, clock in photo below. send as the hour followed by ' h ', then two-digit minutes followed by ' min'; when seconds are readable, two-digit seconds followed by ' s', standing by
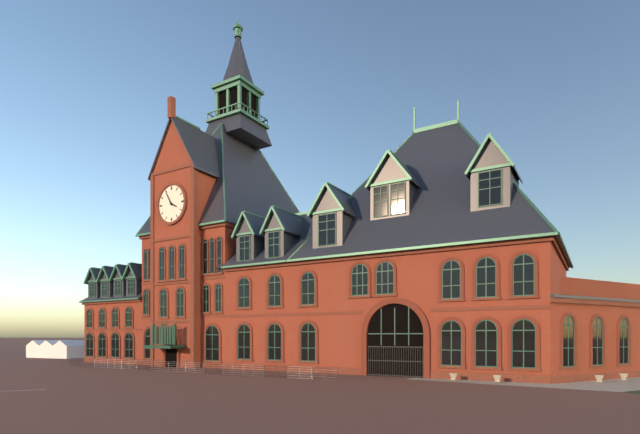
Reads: 3 h 55 min
